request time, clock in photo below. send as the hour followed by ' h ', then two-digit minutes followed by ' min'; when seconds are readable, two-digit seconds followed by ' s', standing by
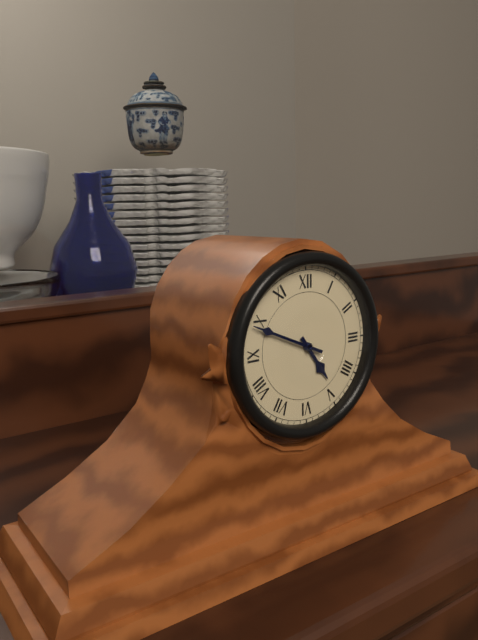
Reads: 4 h 49 min
